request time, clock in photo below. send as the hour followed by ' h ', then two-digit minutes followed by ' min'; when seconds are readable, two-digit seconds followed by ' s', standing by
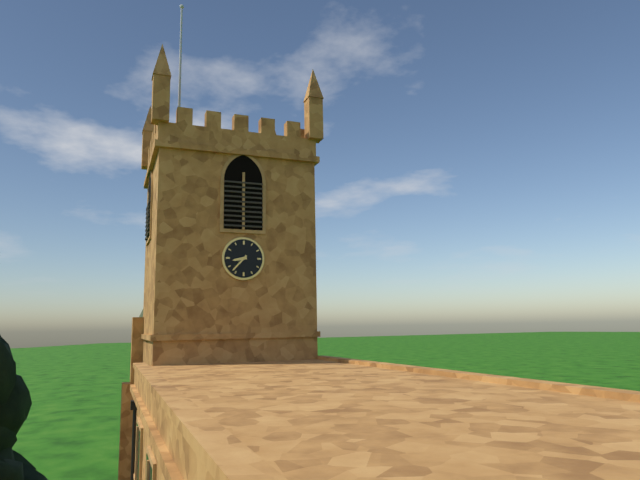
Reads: 8 h 37 min
